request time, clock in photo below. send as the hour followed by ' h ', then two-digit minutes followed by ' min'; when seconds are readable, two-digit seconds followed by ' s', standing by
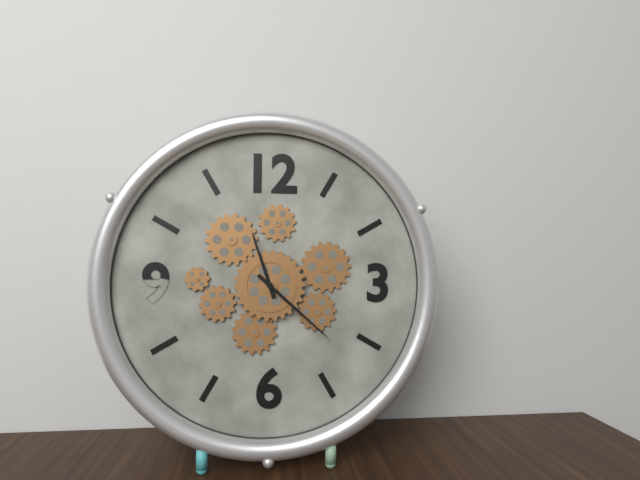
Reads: 11 h 22 min
